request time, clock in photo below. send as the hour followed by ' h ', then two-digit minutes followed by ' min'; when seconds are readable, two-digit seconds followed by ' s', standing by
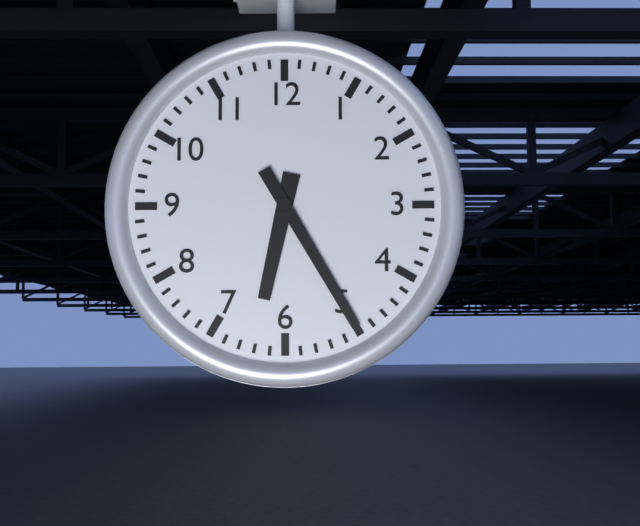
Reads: 6 h 25 min
